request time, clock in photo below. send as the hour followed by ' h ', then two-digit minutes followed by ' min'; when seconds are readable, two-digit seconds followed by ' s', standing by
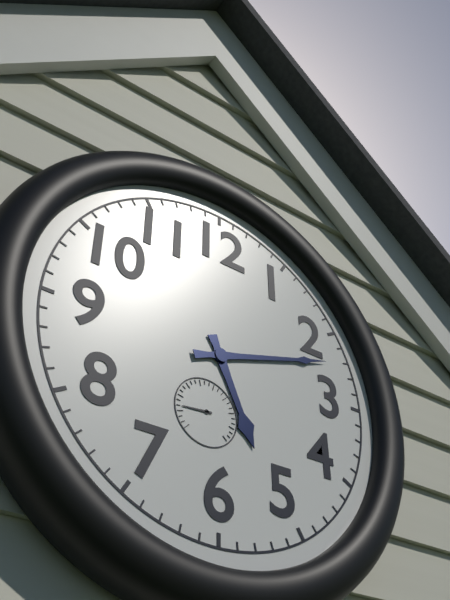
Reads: 5 h 12 min
